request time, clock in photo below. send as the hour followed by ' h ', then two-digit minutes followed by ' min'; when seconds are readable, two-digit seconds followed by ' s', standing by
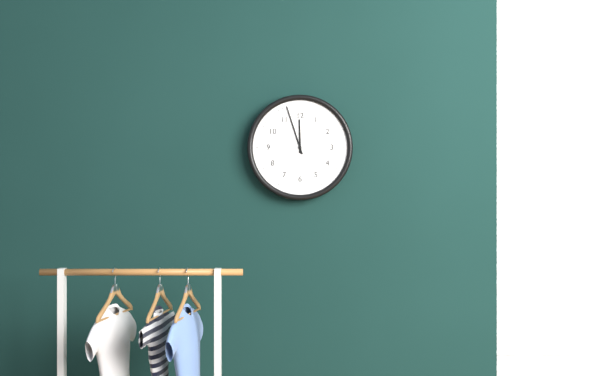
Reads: 11 h 57 min
